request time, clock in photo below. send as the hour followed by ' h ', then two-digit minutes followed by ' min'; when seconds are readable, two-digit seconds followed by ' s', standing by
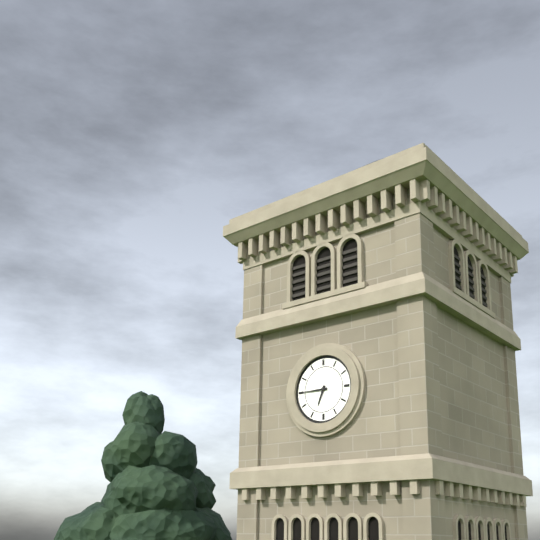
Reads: 6 h 45 min
